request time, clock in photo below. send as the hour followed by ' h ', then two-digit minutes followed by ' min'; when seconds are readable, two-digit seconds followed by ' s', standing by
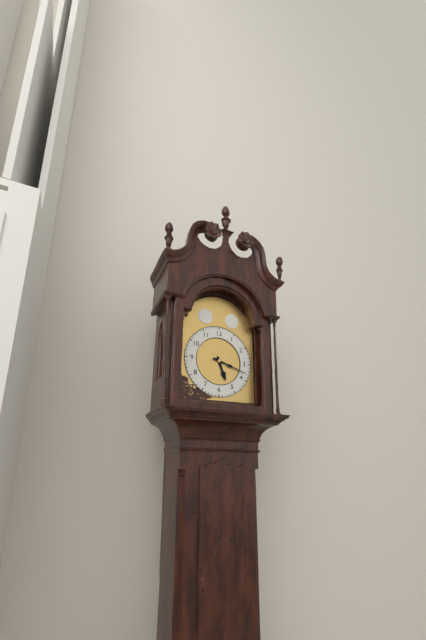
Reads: 5 h 18 min
